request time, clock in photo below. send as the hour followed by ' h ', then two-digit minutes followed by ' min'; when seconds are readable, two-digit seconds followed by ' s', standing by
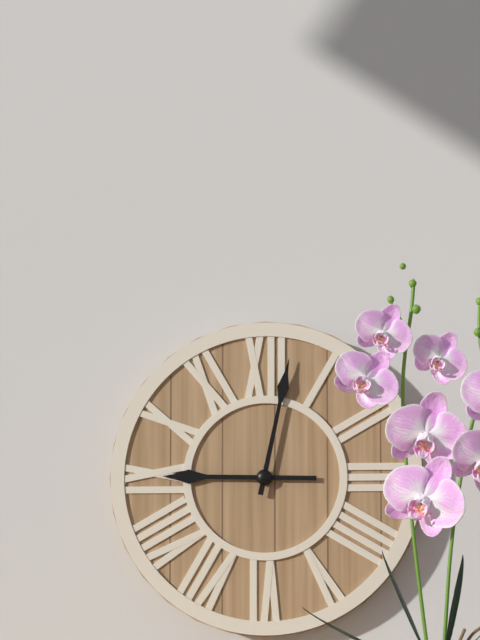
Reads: 9 h 02 min
